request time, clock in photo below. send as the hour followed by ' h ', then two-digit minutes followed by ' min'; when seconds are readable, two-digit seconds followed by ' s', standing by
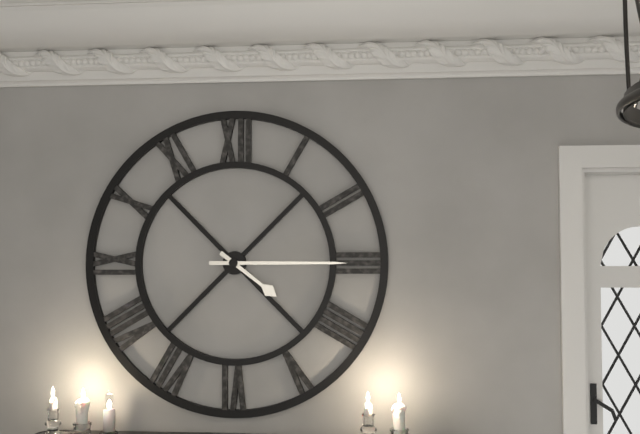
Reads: 4 h 15 min
